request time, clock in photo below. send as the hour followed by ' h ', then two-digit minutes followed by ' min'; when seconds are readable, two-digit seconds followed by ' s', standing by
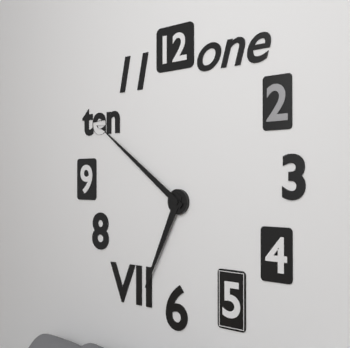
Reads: 6 h 51 min
